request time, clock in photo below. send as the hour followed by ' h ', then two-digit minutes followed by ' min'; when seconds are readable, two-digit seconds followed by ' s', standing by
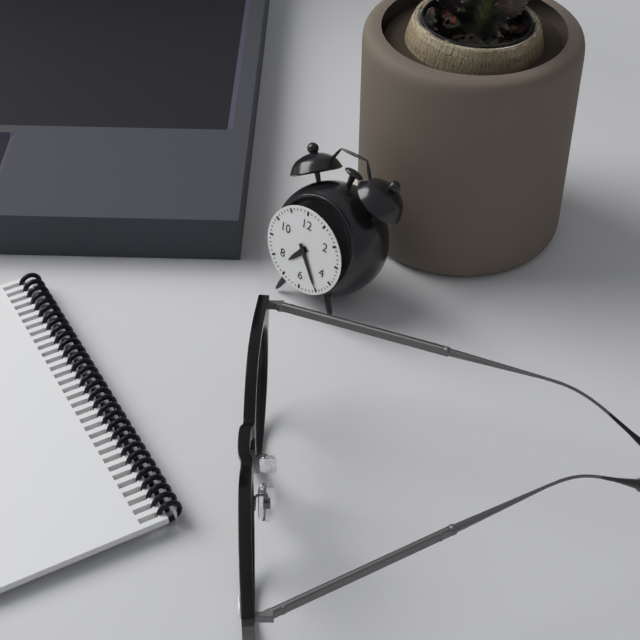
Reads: 7 h 25 min
